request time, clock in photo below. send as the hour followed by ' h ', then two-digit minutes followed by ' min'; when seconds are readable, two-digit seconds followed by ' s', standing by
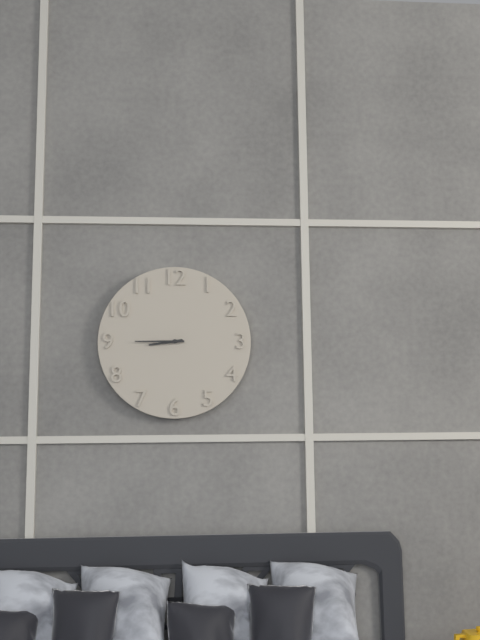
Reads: 8 h 45 min
